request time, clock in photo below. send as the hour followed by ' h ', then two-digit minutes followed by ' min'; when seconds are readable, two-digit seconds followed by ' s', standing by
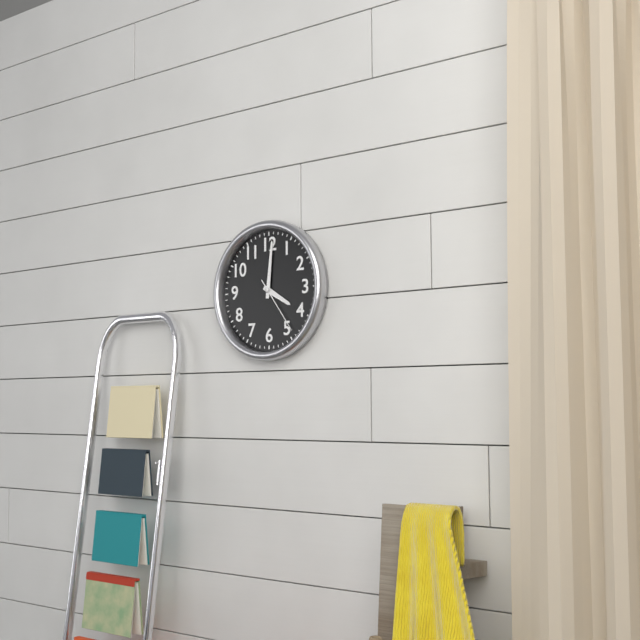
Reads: 4 h 01 min 24 s
